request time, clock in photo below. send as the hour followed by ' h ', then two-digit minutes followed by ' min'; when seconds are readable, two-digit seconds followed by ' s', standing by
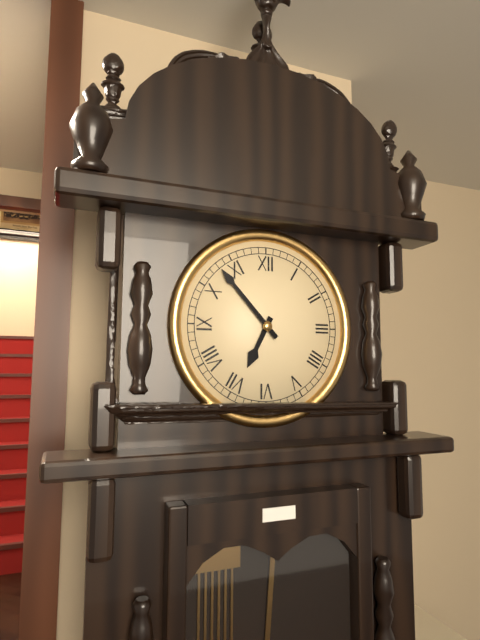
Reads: 6 h 53 min
